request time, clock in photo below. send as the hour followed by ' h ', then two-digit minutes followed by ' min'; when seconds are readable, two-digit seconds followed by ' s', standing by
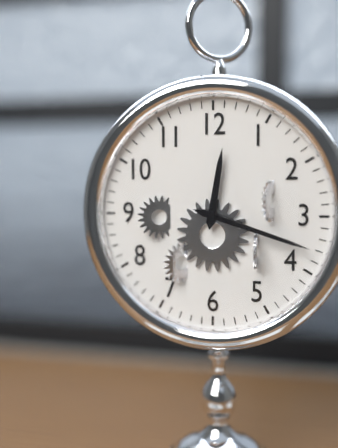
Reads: 12 h 18 min
